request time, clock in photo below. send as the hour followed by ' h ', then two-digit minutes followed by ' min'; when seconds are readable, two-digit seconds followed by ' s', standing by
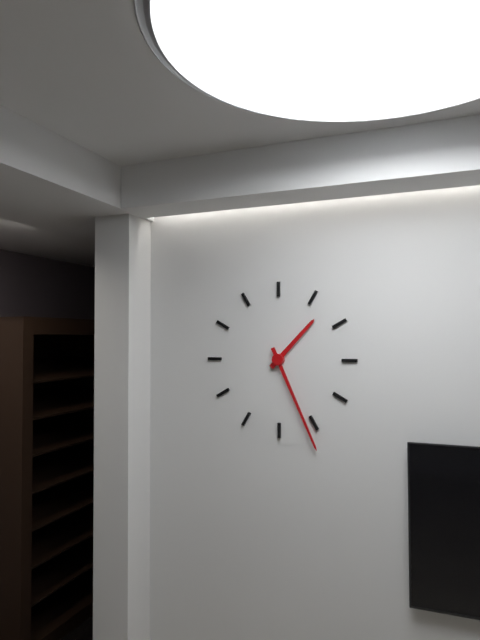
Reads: 1 h 26 min
